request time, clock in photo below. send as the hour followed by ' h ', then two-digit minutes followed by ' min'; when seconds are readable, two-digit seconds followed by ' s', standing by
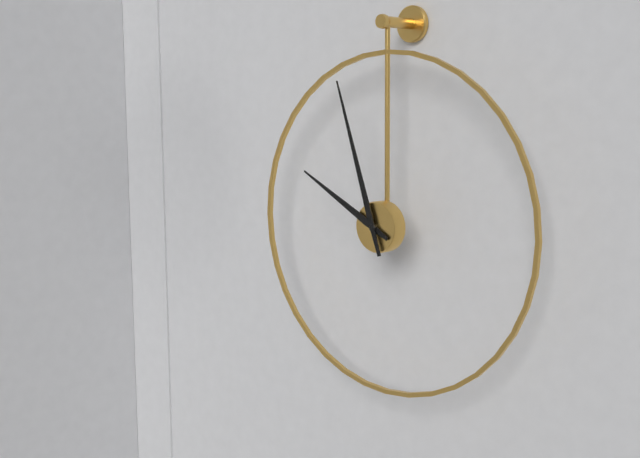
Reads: 9 h 57 min
